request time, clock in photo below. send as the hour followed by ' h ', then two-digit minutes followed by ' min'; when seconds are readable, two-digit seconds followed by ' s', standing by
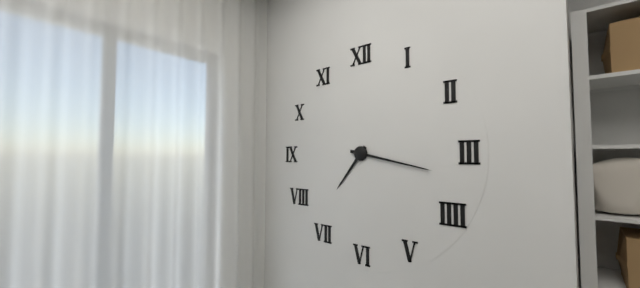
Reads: 7 h 17 min
